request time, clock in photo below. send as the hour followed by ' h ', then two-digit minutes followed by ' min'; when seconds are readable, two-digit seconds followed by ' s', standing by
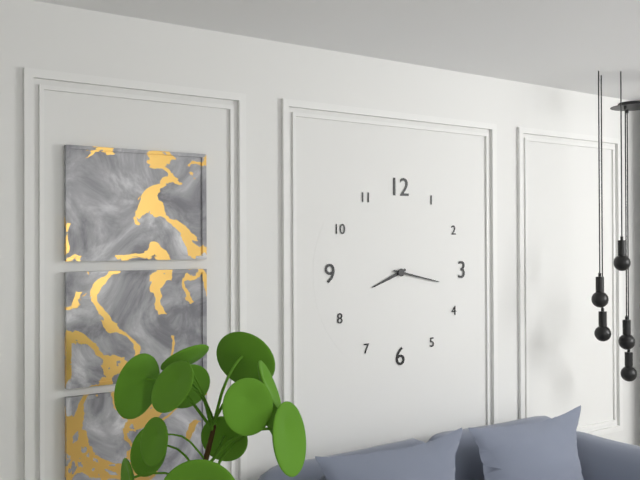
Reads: 8 h 17 min
